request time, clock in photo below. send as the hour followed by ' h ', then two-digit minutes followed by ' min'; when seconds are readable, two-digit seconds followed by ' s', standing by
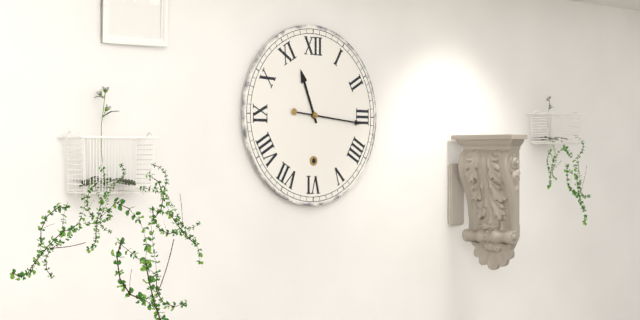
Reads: 11 h 16 min
